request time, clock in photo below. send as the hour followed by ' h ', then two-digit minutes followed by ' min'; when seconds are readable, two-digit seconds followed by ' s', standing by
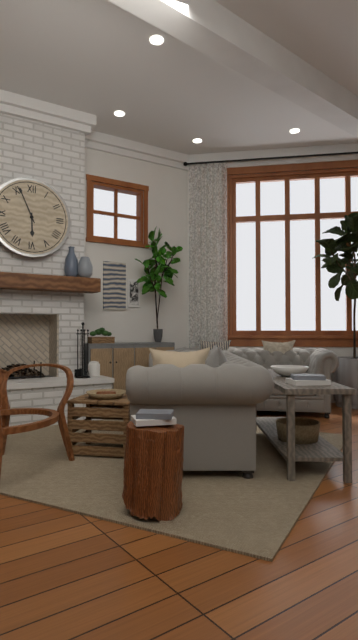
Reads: 5 h 56 min
